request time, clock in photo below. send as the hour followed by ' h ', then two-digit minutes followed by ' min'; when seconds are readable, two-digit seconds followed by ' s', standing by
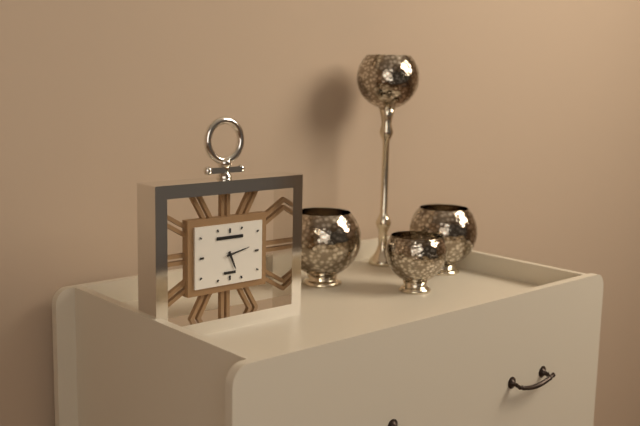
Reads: 5 h 13 min
